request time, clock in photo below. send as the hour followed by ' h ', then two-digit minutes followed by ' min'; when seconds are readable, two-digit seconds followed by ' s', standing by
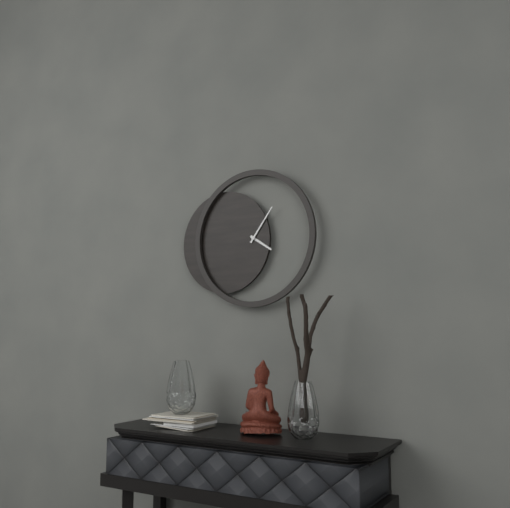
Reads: 4 h 06 min
